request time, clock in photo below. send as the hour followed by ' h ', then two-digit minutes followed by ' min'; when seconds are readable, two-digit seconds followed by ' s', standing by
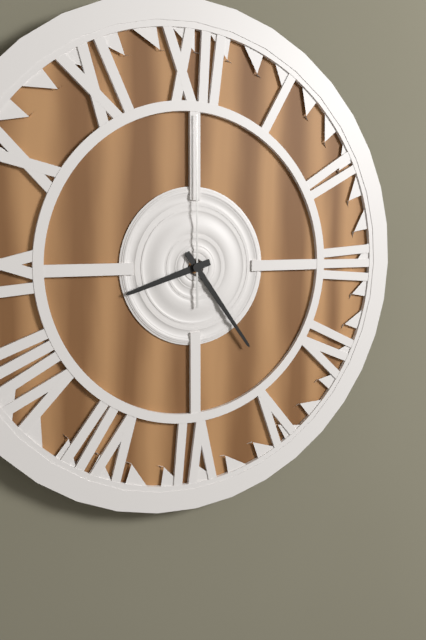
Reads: 8 h 24 min 00 s
